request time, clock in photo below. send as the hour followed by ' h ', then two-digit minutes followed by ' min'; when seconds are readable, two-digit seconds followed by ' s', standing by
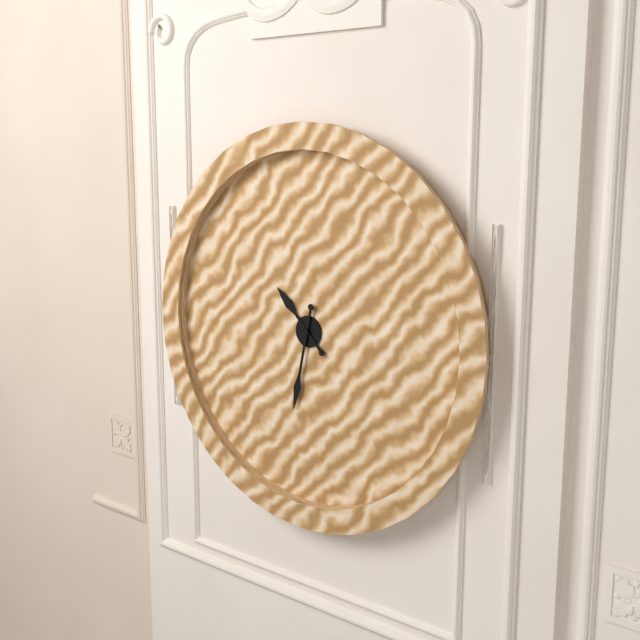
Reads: 10 h 32 min
